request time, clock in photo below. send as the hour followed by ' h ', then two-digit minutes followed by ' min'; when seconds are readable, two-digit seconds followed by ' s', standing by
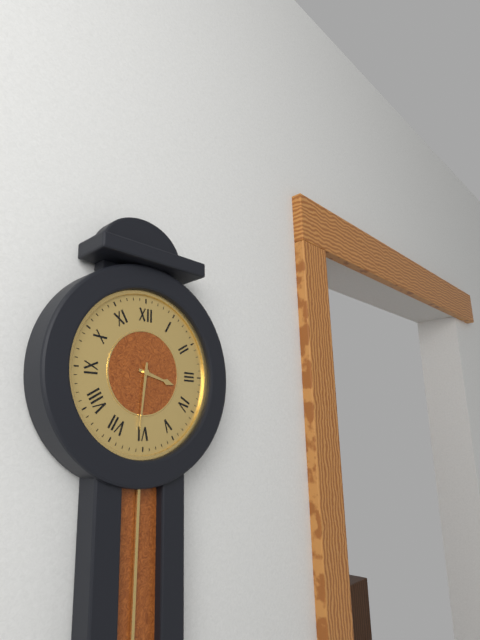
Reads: 3 h 31 min
